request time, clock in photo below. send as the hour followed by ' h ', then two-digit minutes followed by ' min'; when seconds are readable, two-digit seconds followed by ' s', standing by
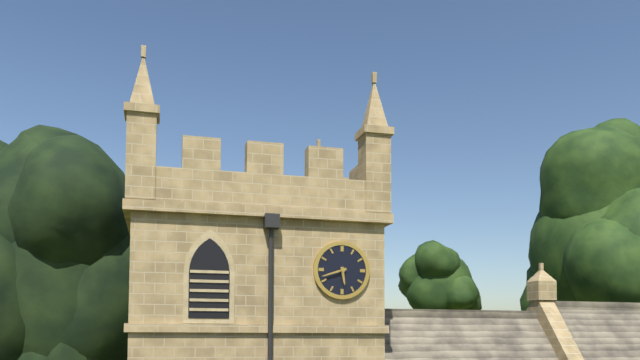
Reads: 5 h 42 min
